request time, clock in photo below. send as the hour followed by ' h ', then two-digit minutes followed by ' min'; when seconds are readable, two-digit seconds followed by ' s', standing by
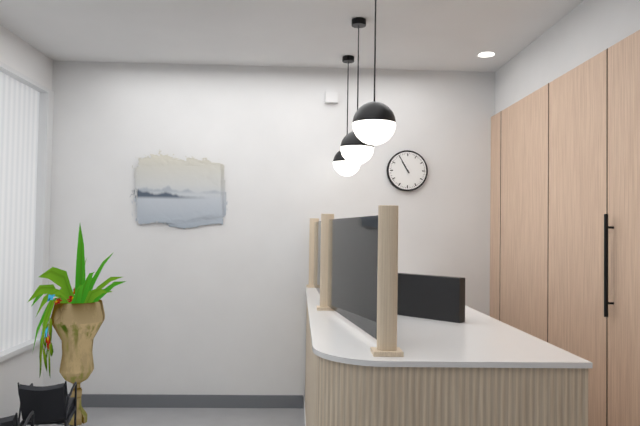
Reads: 10 h 55 min
